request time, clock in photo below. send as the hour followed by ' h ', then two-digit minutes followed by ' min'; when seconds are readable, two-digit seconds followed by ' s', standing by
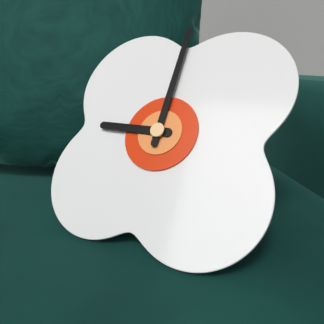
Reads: 9 h 00 min
